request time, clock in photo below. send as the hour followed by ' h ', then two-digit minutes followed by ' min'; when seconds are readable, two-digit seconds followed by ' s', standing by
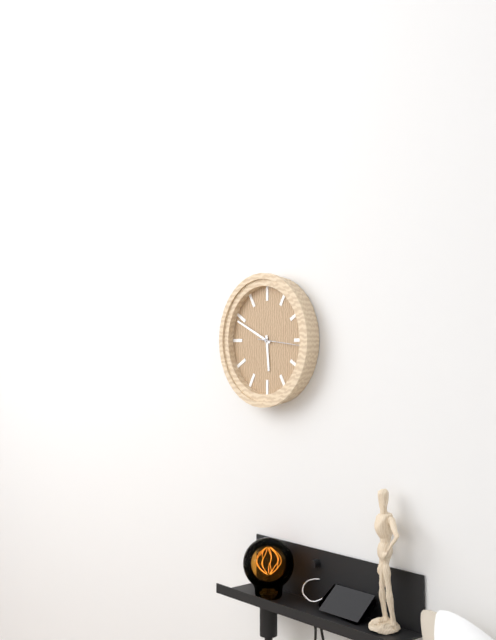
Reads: 5 h 49 min
